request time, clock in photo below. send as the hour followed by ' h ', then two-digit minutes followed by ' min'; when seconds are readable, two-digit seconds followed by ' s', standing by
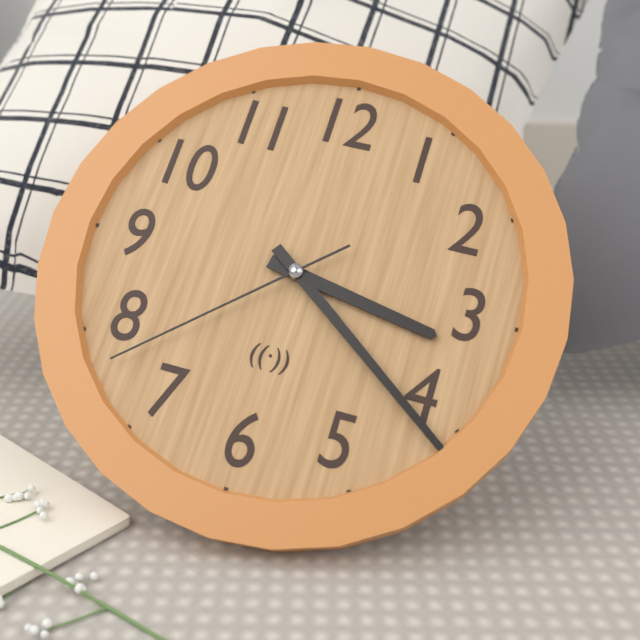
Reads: 3 h 21 min 38 s
